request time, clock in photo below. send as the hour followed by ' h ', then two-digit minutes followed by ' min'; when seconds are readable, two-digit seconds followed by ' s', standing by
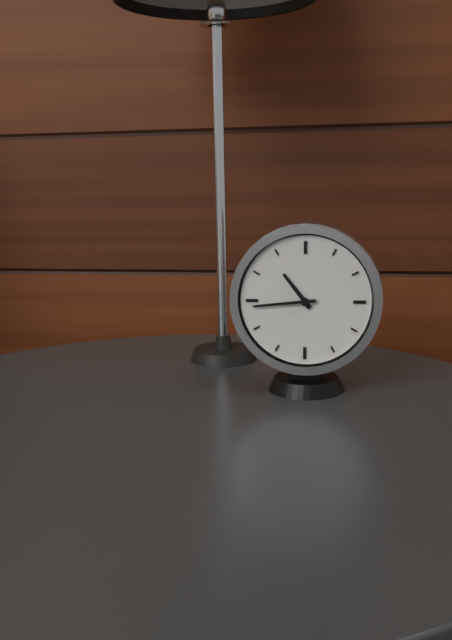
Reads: 10 h 44 min
